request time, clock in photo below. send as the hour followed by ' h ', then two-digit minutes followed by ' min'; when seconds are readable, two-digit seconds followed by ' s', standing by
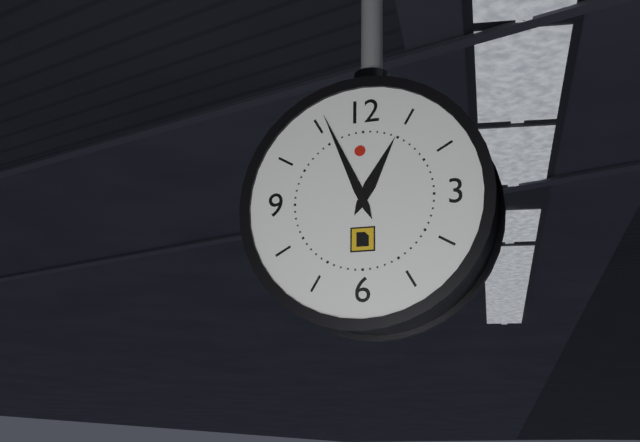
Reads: 12 h 56 min
